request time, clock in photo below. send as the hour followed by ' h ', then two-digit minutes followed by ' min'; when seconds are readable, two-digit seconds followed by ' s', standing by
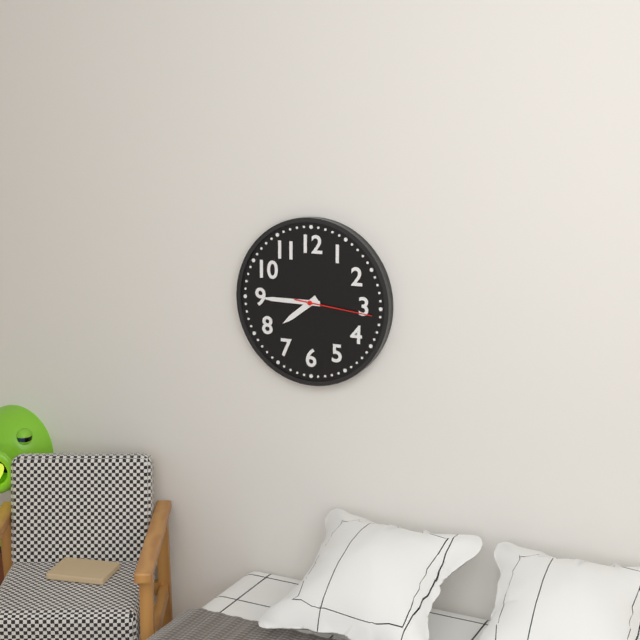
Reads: 7 h 45 min 16 s
